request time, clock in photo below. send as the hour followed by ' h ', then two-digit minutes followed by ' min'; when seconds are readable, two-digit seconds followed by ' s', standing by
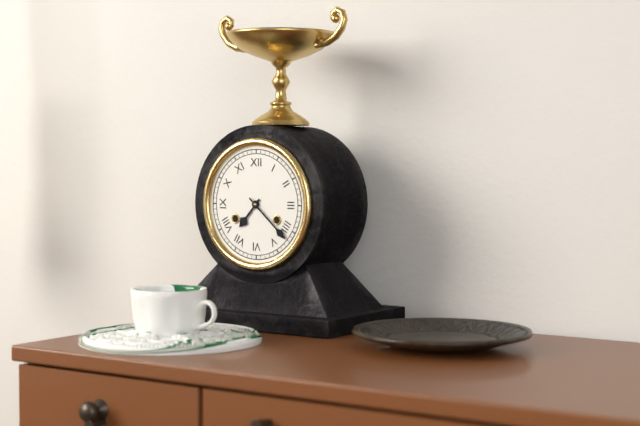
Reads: 7 h 22 min
